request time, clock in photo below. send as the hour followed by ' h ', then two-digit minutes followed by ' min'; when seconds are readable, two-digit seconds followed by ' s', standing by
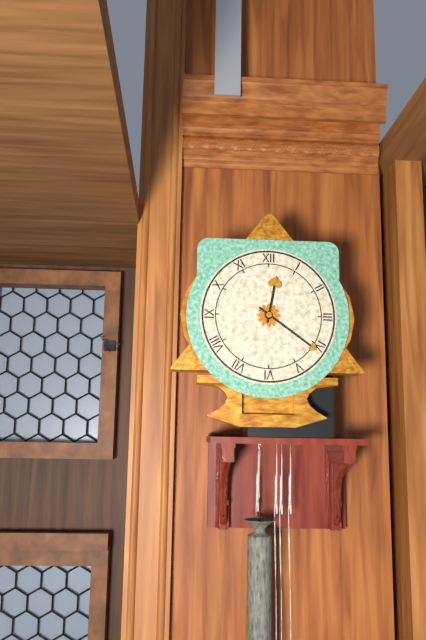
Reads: 12 h 21 min
